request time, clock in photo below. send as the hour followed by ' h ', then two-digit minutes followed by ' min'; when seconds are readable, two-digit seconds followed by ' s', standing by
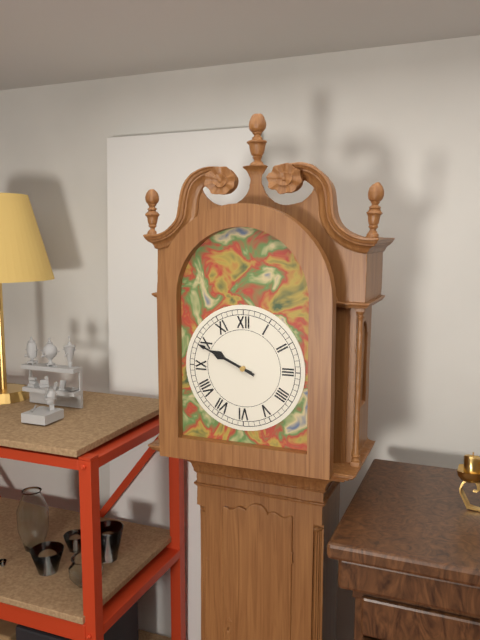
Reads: 9 h 49 min
